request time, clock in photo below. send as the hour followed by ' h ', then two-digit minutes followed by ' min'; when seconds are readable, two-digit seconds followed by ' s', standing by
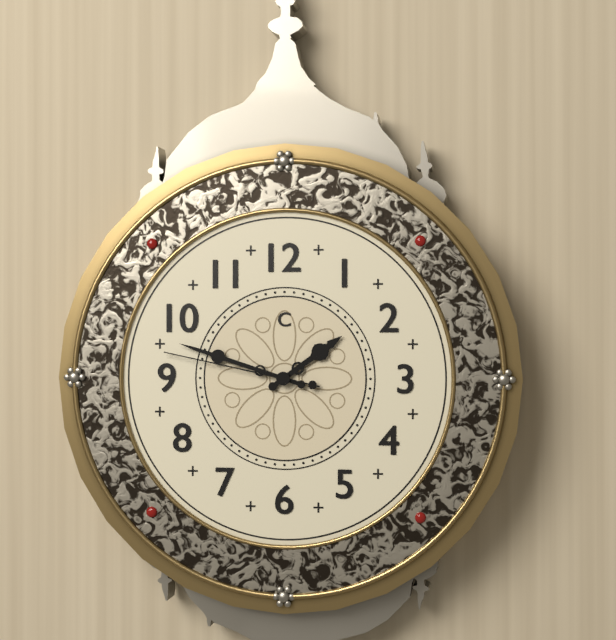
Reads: 1 h 48 min 47 s
